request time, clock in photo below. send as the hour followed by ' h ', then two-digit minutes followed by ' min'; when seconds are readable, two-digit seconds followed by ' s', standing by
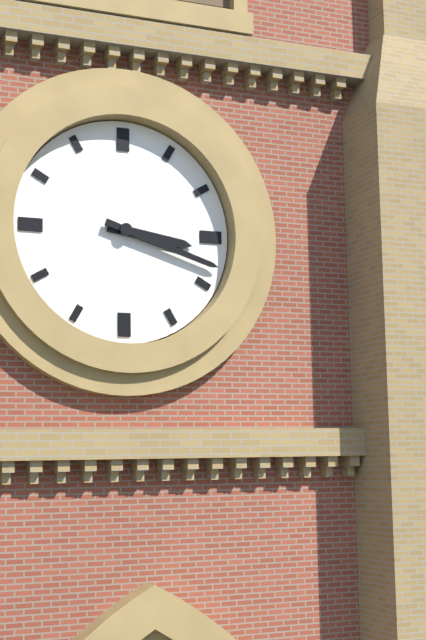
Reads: 3 h 18 min
